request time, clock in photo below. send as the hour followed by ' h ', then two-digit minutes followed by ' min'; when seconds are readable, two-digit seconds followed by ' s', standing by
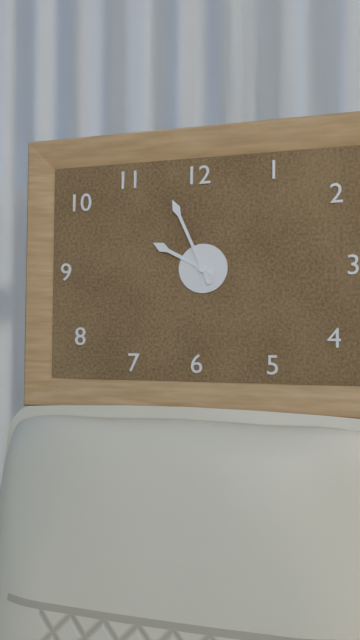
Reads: 9 h 56 min
